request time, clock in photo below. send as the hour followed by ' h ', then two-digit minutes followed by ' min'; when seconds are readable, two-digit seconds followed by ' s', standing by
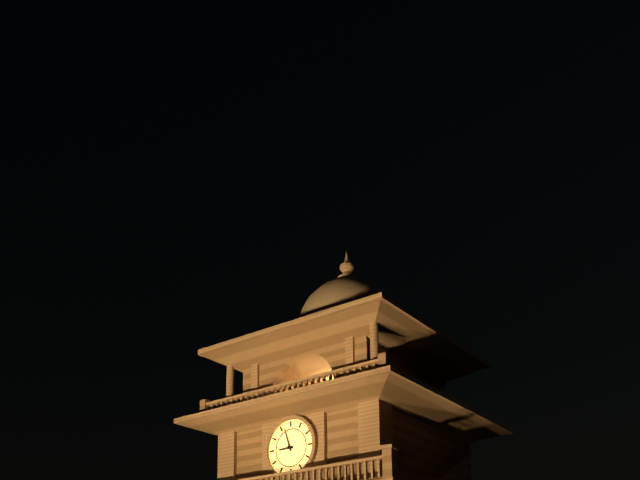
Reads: 8 h 57 min
